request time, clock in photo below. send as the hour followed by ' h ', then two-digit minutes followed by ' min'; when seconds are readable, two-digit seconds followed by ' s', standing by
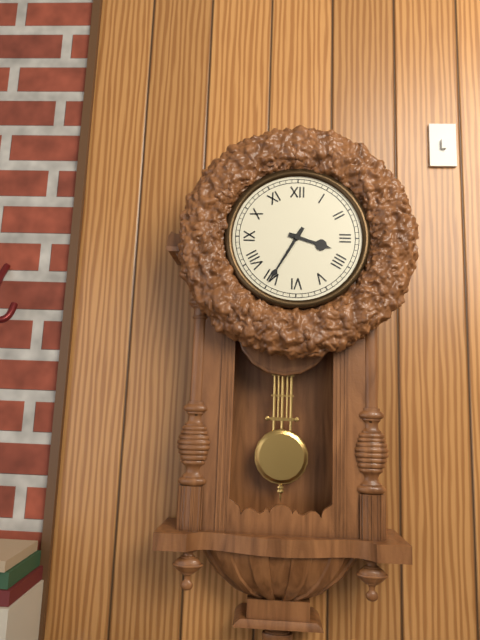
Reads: 3 h 35 min
